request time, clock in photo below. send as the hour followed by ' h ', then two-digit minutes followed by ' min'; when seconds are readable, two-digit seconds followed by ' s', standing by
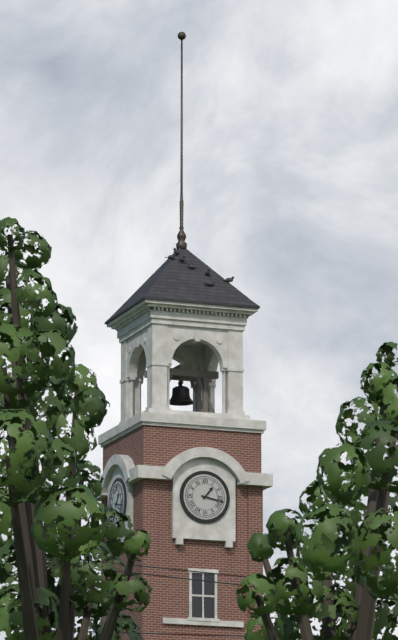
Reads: 1 h 17 min
